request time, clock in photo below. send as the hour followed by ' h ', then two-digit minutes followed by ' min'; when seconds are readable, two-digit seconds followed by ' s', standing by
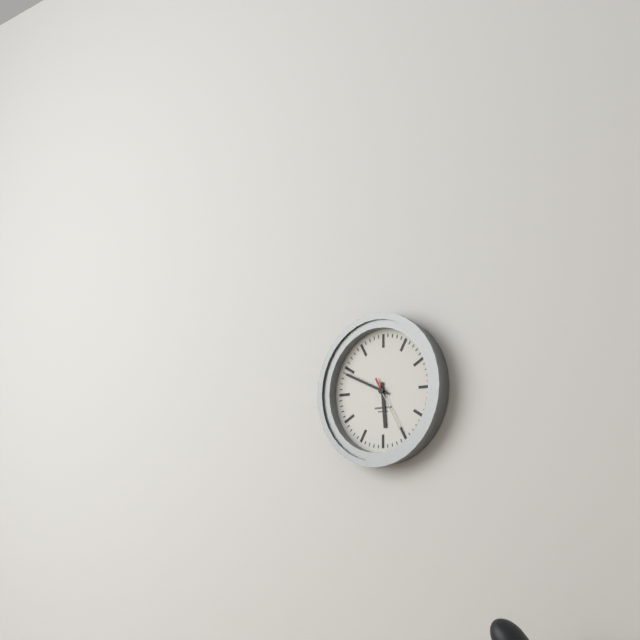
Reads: 5 h 49 min 25 s
